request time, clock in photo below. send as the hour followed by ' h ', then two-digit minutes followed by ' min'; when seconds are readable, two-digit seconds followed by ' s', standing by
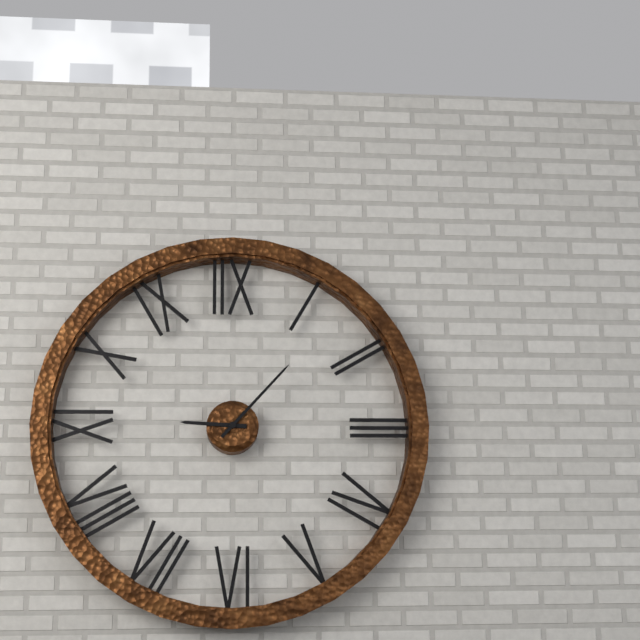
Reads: 9 h 07 min
